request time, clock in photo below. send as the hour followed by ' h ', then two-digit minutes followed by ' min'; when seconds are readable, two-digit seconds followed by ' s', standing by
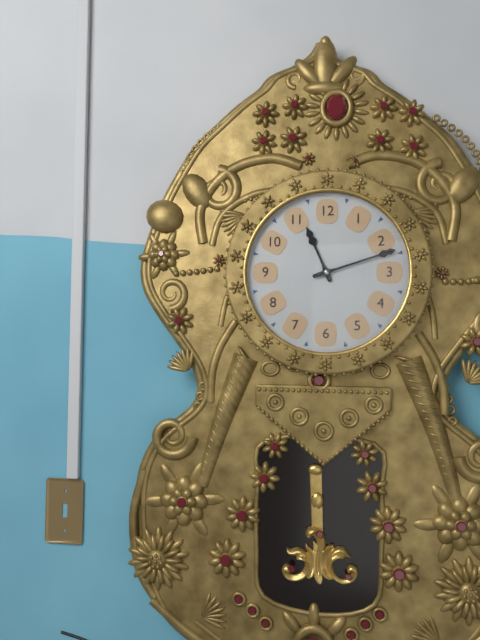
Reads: 11 h 12 min
